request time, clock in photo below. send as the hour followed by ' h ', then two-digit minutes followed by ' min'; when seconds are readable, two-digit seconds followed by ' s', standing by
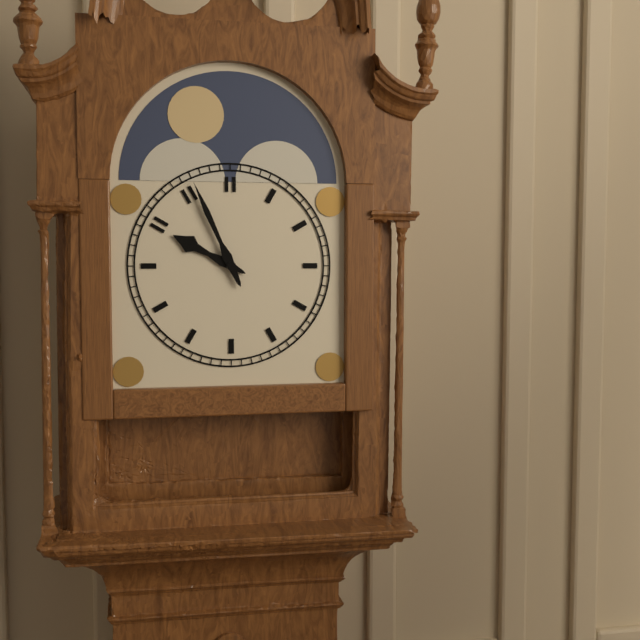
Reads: 9 h 56 min
